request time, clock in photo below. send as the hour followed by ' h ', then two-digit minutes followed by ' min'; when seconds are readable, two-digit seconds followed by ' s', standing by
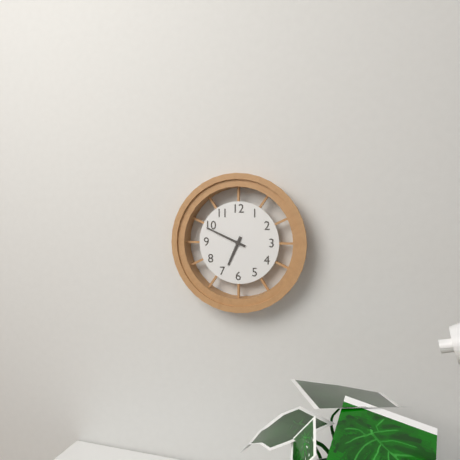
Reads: 6 h 49 min
